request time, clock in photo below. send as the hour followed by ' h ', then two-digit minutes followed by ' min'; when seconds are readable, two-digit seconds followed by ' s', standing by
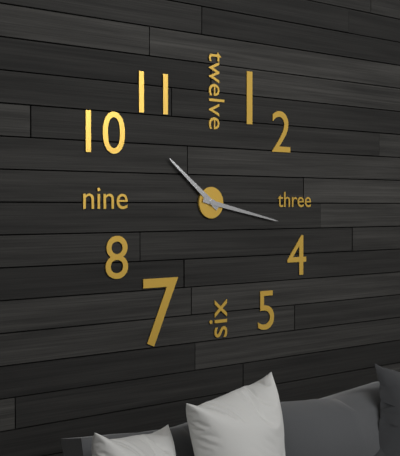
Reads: 10 h 17 min
